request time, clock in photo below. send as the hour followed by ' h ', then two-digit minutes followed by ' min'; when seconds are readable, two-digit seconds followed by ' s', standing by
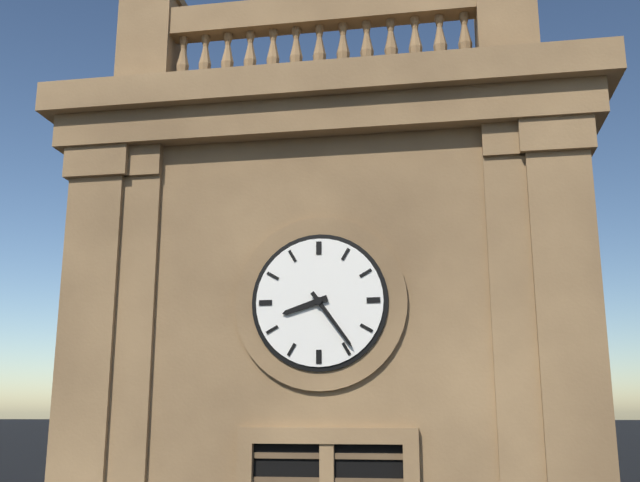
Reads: 8 h 24 min
